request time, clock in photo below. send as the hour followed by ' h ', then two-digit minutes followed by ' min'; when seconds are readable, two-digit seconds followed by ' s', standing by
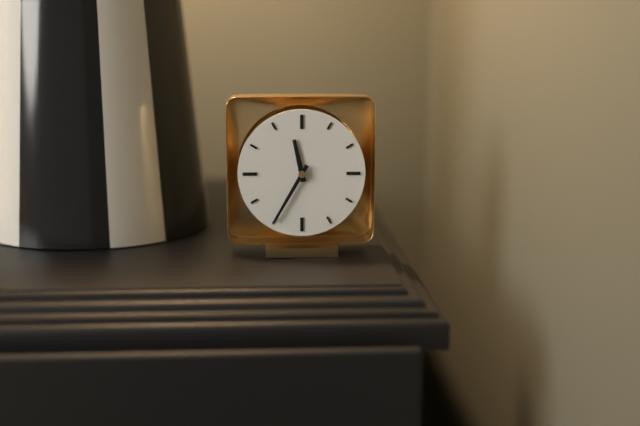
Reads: 11 h 35 min
